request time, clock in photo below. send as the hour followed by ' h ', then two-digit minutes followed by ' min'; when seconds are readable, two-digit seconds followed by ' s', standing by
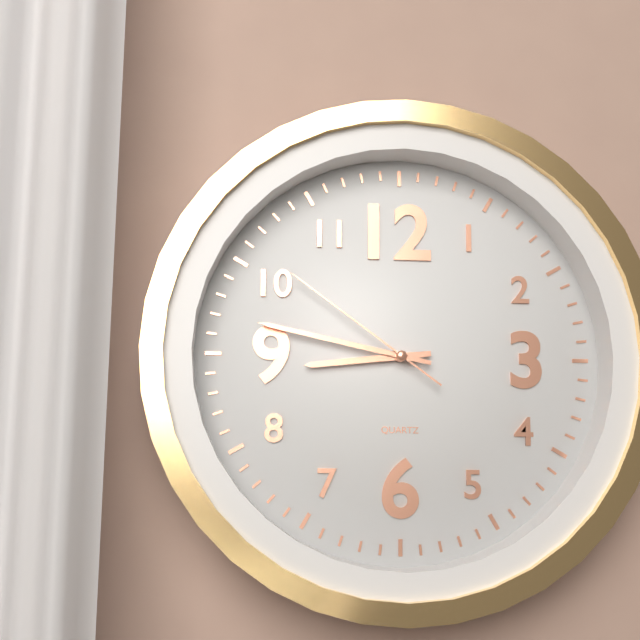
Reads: 8 h 47 min 51 s
